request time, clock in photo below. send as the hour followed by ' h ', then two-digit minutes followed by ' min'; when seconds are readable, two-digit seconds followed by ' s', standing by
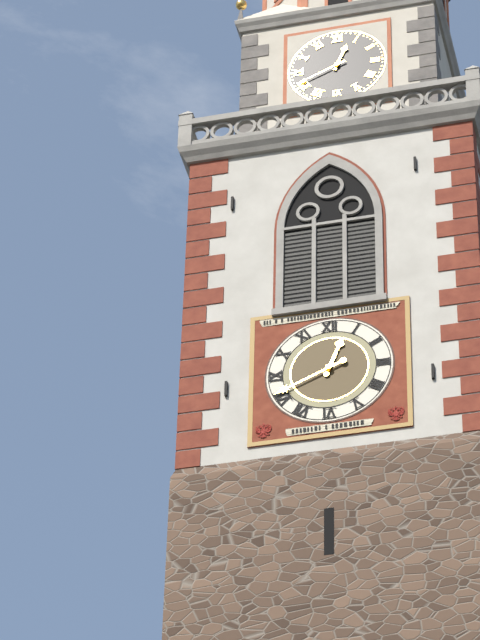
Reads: 12 h 41 min
